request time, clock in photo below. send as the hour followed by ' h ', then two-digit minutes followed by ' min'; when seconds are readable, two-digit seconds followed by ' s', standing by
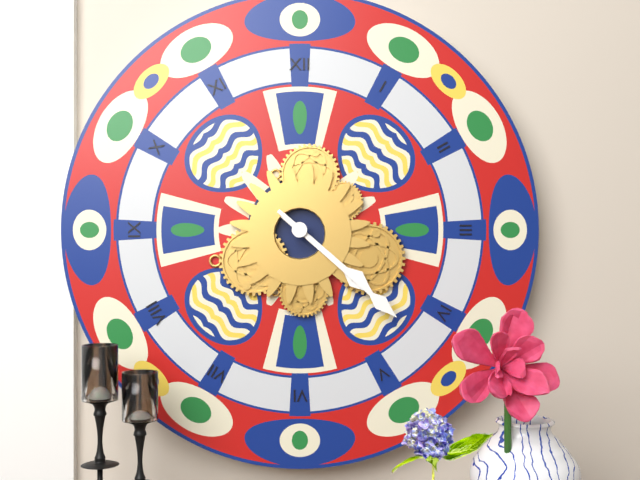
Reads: 4 h 22 min
